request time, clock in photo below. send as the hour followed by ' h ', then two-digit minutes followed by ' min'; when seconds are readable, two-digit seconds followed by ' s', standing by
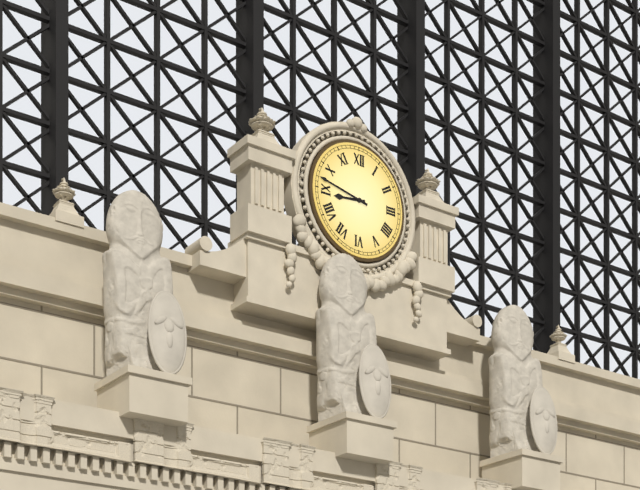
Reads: 8 h 47 min
